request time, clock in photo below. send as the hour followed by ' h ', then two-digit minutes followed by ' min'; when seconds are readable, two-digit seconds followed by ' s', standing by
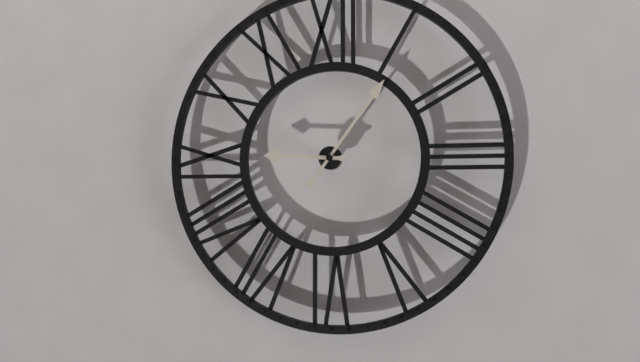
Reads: 9 h 06 min
